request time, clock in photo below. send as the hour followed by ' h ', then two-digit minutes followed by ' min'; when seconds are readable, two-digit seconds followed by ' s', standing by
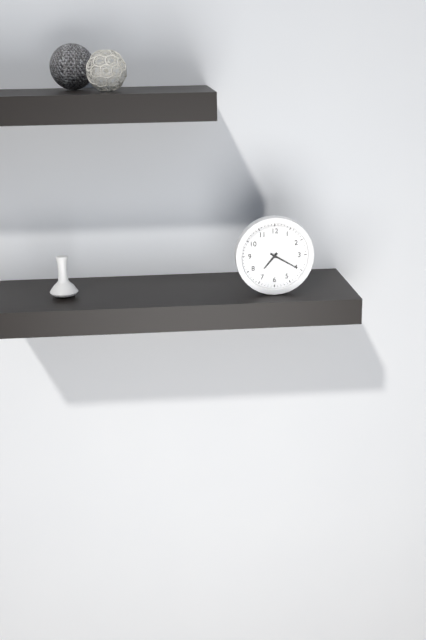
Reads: 7 h 20 min
